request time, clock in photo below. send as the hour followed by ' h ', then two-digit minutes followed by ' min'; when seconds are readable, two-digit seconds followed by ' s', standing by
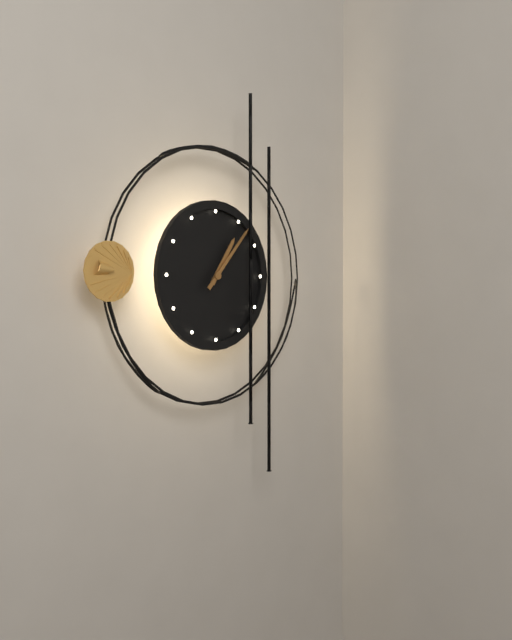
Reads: 1 h 07 min
